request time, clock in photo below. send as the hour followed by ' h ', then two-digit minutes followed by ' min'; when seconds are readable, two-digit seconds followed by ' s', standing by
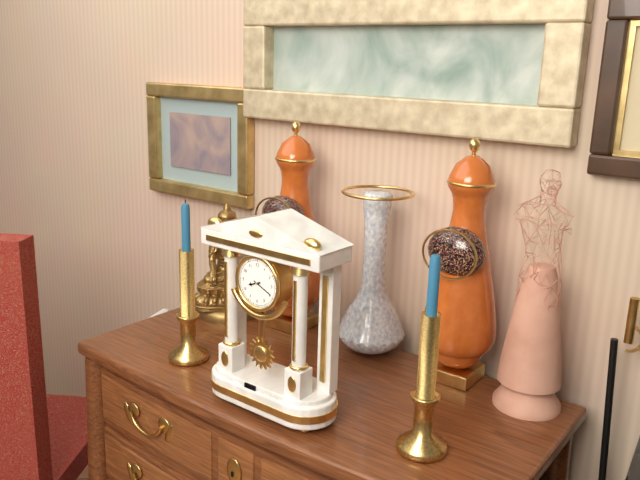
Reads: 8 h 19 min
